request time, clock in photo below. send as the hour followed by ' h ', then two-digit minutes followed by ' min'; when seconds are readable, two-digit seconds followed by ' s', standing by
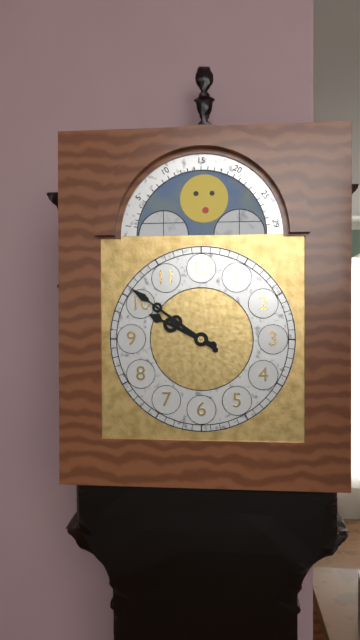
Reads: 9 h 51 min
